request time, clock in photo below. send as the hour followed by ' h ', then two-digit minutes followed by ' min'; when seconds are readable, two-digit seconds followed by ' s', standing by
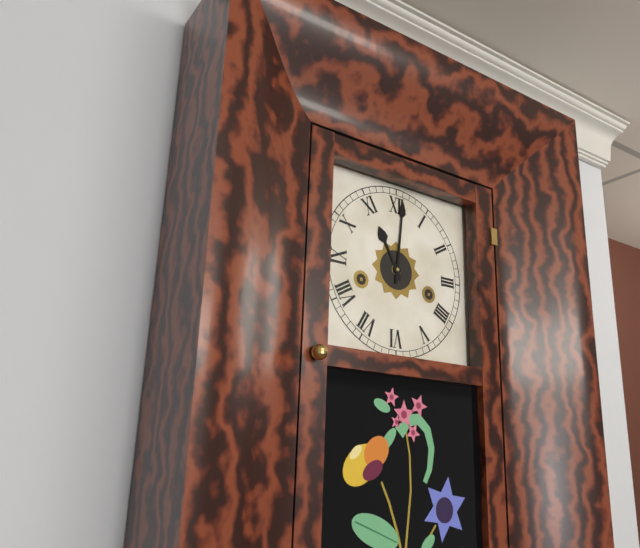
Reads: 11 h 01 min
